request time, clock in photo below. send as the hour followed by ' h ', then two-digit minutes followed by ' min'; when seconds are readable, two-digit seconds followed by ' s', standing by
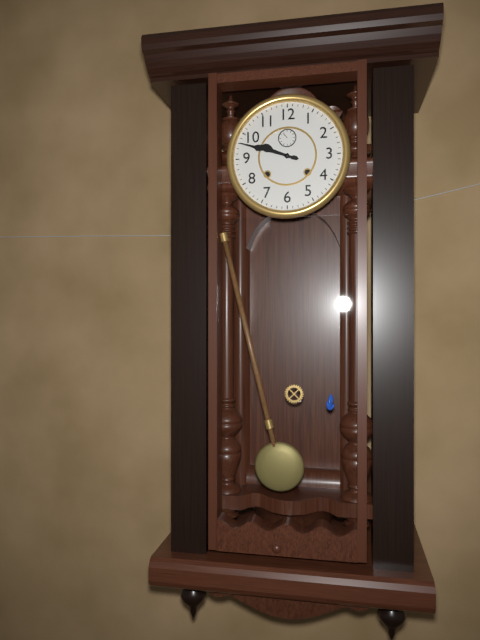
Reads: 9 h 48 min
